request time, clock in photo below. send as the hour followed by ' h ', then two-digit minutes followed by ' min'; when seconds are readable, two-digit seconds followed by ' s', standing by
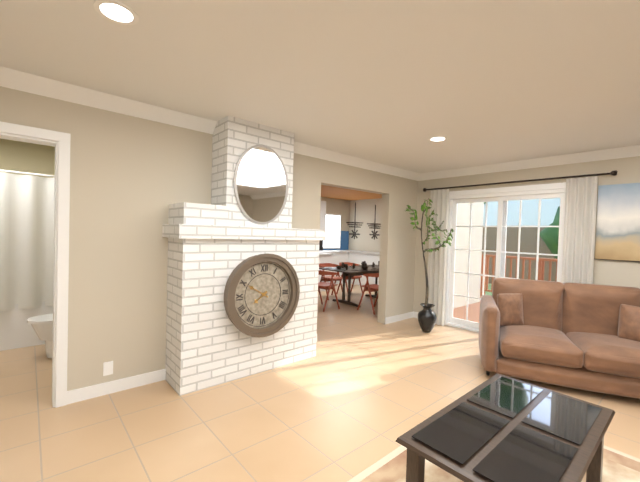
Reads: 7 h 50 min
